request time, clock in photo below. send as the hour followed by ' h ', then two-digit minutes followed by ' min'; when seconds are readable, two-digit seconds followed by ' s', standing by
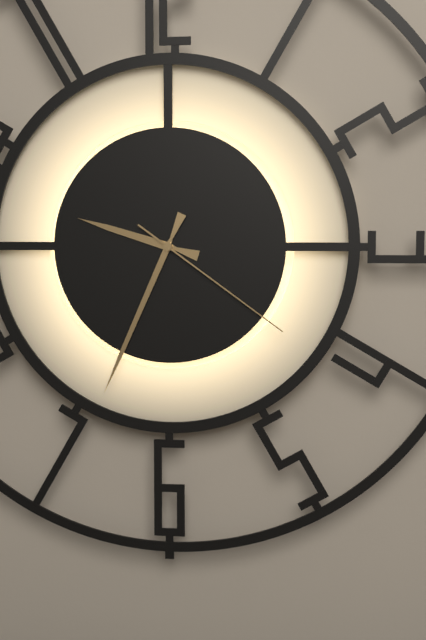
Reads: 9 h 34 min 21 s
